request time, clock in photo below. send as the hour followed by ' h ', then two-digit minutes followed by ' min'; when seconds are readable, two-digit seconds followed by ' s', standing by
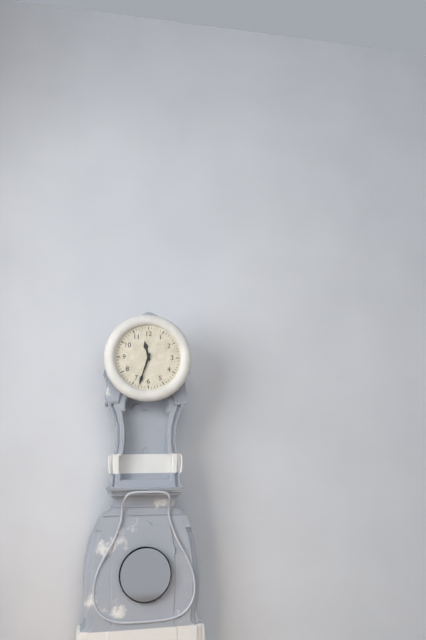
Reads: 11 h 33 min
